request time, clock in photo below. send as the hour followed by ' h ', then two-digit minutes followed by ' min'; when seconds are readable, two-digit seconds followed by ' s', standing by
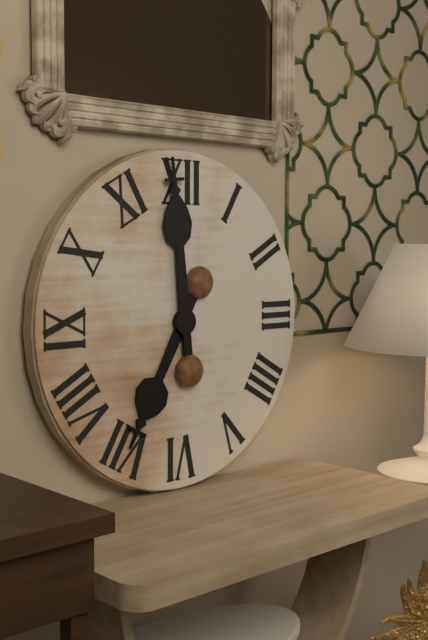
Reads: 6 h 59 min
